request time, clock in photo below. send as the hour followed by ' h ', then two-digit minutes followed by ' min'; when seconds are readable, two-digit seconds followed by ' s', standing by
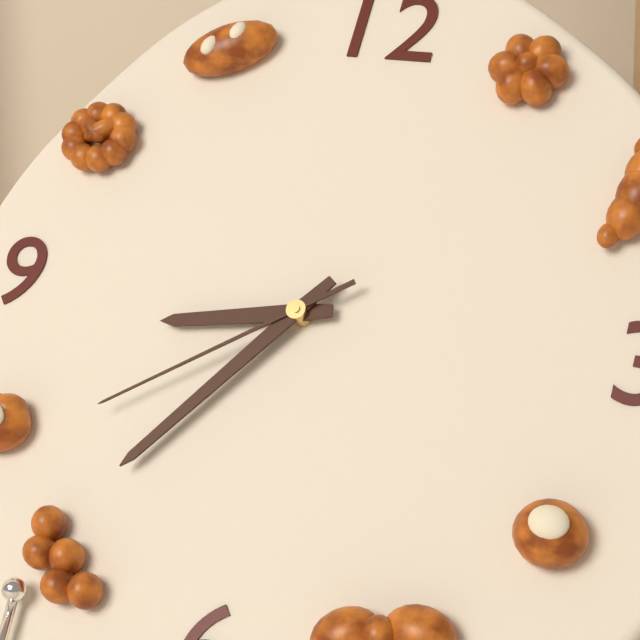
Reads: 8 h 36 min 39 s
